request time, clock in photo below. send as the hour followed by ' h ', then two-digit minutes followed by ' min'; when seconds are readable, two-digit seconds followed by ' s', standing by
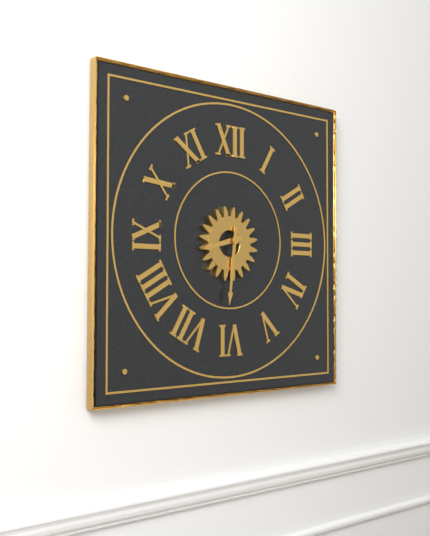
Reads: 8 h 31 min
